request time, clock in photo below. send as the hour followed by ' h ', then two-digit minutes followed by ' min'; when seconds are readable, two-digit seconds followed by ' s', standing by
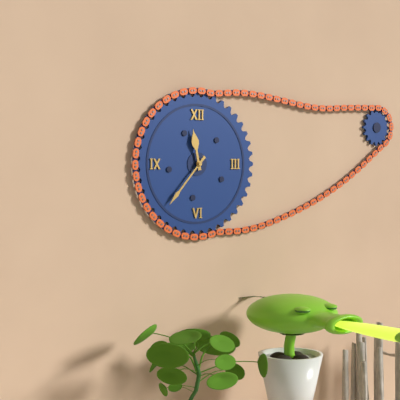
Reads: 11 h 37 min
